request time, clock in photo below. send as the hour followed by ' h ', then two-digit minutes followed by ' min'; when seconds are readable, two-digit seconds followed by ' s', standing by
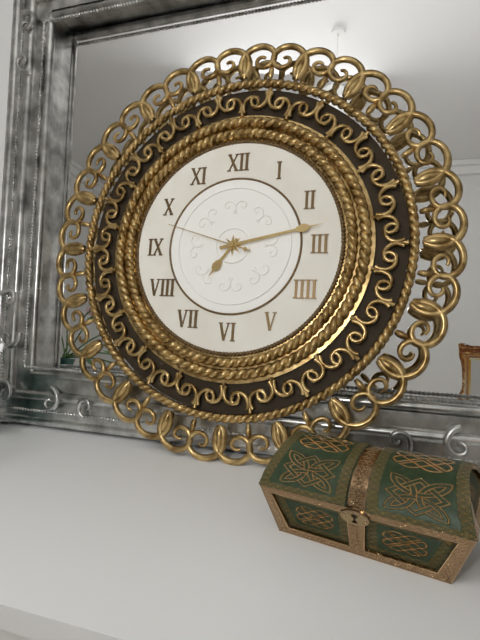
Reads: 7 h 13 min 48 s
